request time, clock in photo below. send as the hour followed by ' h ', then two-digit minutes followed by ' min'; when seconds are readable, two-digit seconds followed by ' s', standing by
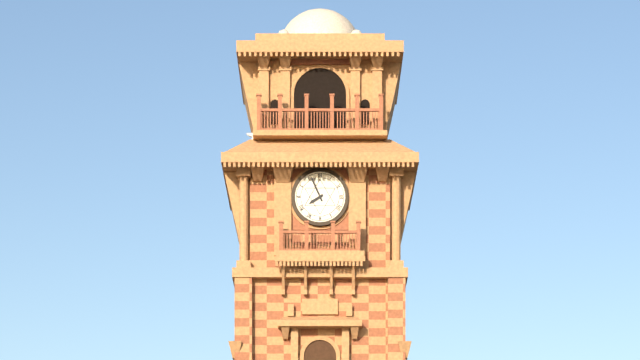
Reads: 7 h 56 min
